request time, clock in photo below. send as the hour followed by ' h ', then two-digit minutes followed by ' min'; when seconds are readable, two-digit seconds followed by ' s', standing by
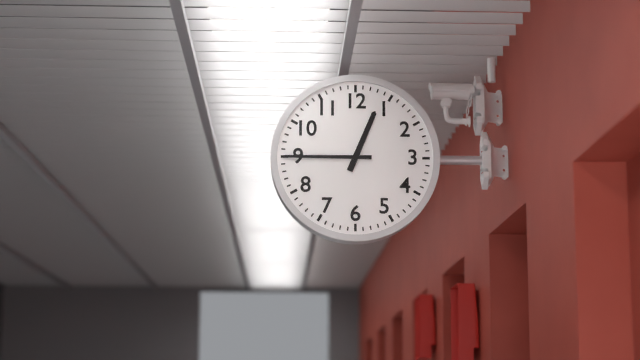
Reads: 12 h 45 min
